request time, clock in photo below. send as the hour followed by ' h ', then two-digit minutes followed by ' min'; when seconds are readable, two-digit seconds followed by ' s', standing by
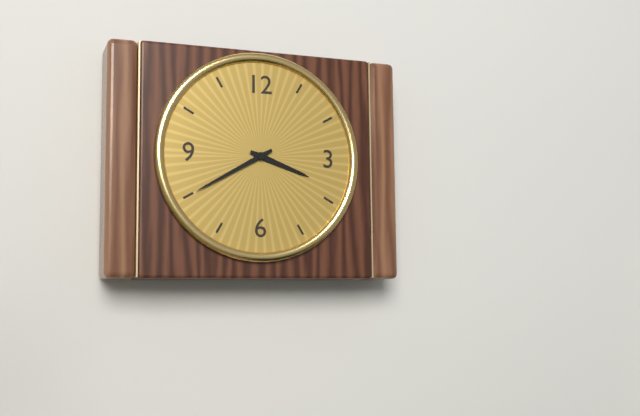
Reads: 3 h 40 min
